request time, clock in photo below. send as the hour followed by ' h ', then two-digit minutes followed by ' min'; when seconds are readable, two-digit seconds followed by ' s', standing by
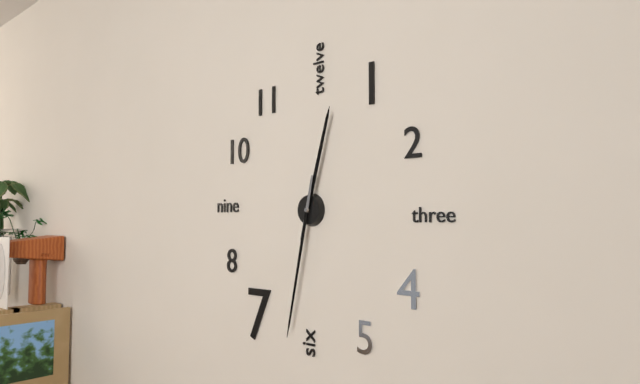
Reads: 12 h 32 min
